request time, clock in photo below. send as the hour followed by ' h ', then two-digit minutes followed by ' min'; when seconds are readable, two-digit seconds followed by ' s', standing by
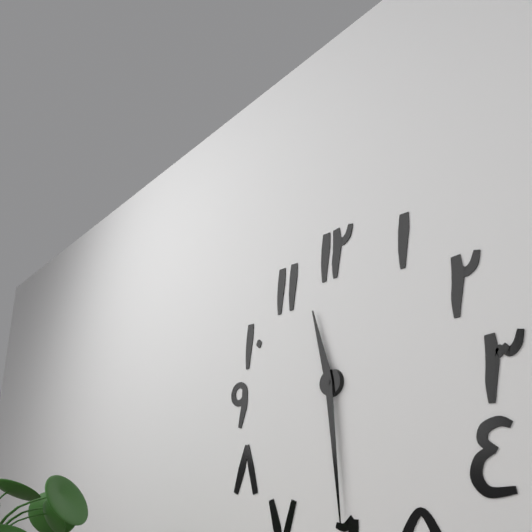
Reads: 11 h 29 min
